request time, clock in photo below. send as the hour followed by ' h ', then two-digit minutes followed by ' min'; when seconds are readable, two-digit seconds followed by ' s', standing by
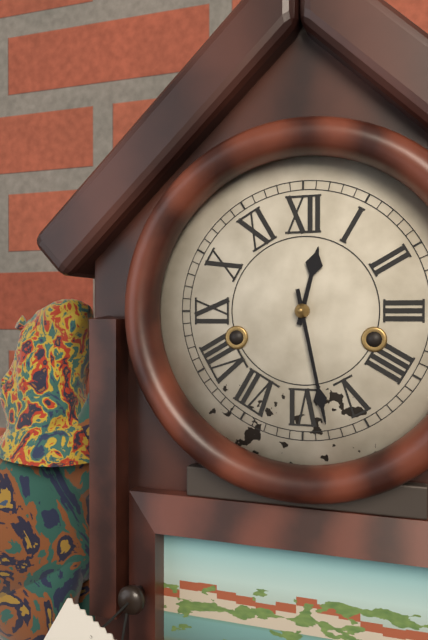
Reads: 12 h 28 min
